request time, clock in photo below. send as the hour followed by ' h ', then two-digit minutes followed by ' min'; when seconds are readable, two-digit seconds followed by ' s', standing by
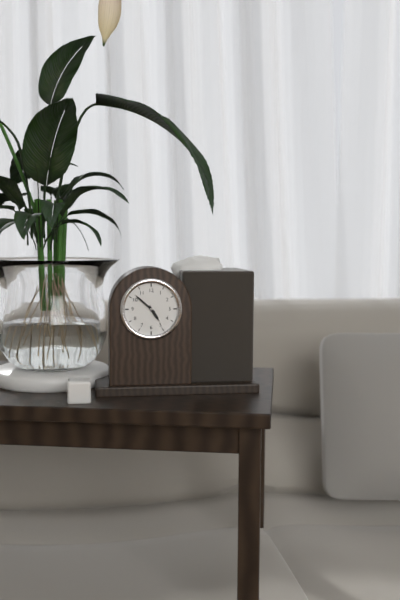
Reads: 4 h 52 min
